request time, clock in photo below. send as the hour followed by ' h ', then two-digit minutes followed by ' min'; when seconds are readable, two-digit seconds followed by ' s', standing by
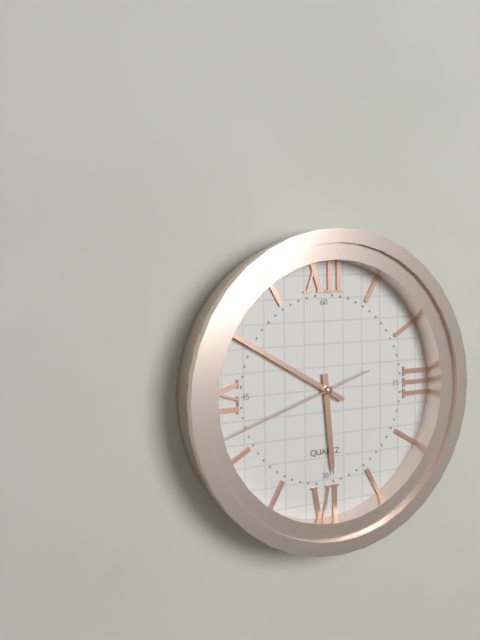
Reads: 5 h 50 min 42 s
